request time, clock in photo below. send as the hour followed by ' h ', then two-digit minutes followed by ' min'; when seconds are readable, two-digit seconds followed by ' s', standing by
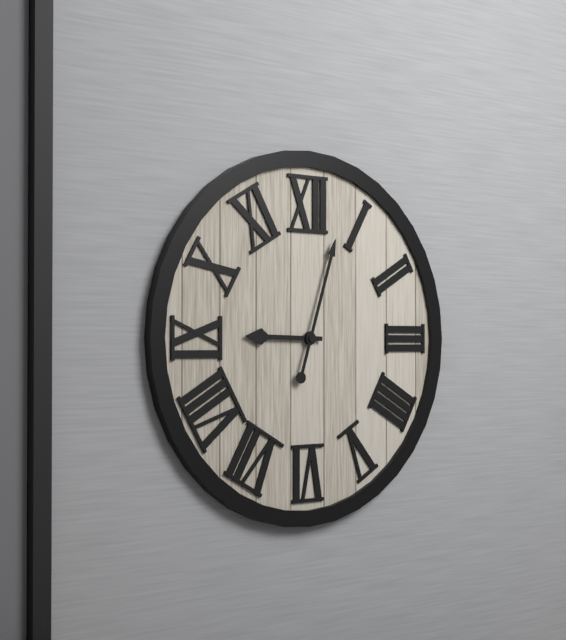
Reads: 9 h 03 min
